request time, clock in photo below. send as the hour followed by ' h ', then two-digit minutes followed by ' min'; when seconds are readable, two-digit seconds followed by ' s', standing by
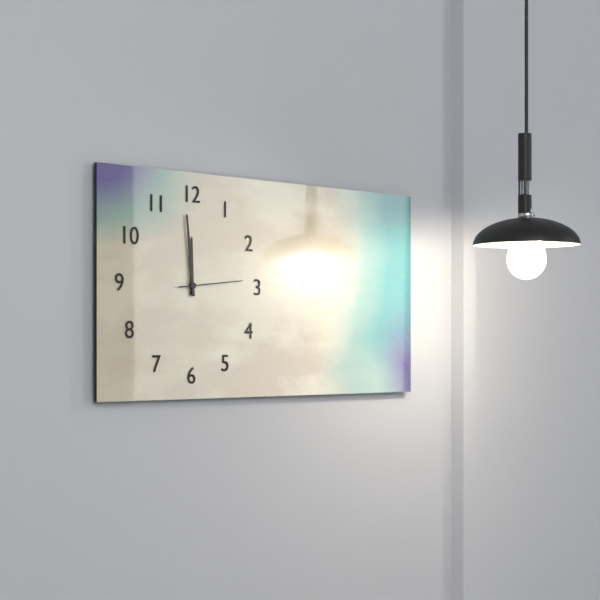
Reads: 11 h 59 min 14 s
